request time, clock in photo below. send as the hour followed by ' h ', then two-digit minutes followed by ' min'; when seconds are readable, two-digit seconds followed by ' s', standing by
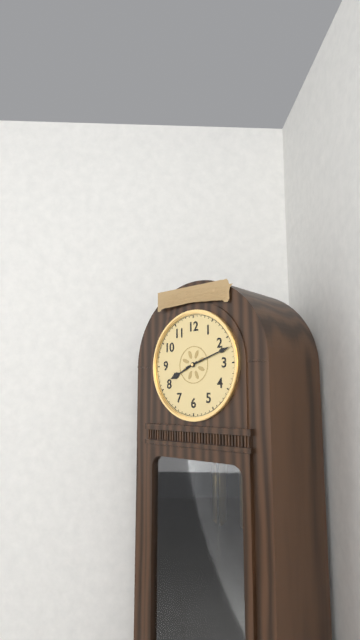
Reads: 8 h 12 min
